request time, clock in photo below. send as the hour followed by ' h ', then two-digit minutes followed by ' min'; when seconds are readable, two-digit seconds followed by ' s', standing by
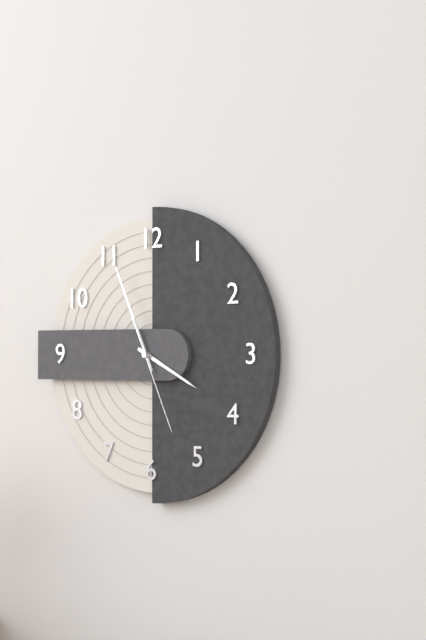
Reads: 3 h 56 min 26 s
